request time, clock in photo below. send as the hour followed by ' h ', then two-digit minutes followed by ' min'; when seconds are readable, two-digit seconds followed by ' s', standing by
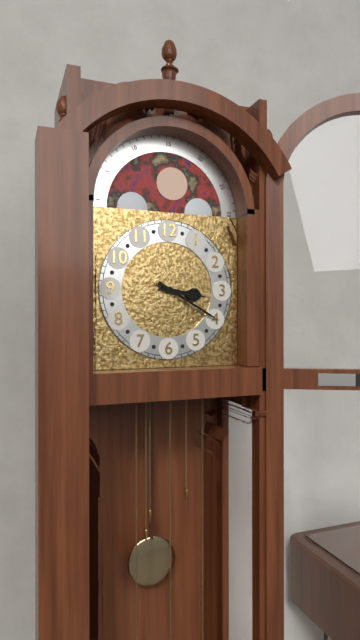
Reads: 3 h 20 min
